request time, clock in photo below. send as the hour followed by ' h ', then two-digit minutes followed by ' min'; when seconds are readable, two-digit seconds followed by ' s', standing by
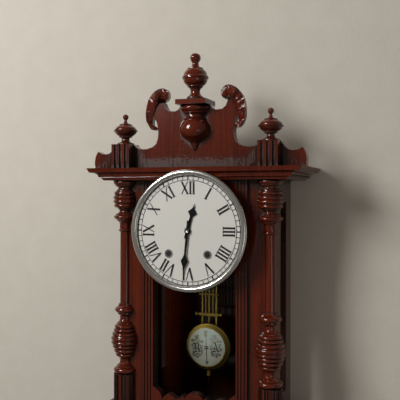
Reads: 12 h 31 min
